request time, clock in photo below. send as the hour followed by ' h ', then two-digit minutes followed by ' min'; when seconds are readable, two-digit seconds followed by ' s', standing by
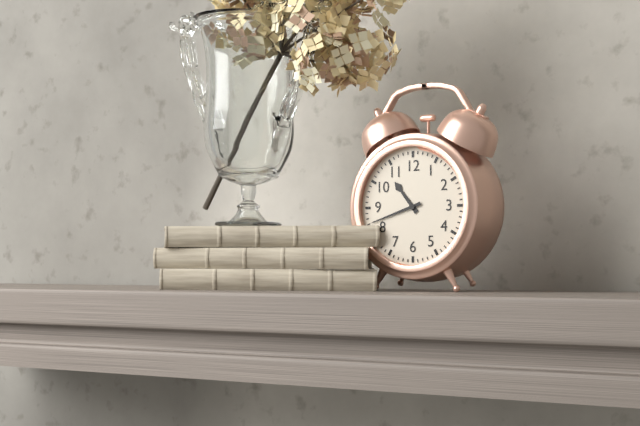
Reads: 10 h 42 min
